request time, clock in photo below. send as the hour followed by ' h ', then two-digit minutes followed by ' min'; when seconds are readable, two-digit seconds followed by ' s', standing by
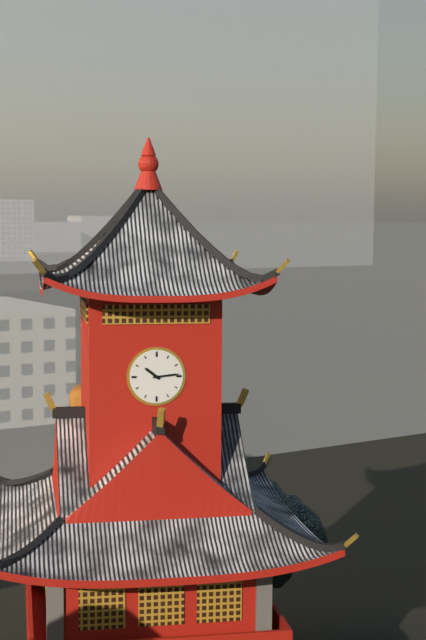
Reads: 10 h 14 min
